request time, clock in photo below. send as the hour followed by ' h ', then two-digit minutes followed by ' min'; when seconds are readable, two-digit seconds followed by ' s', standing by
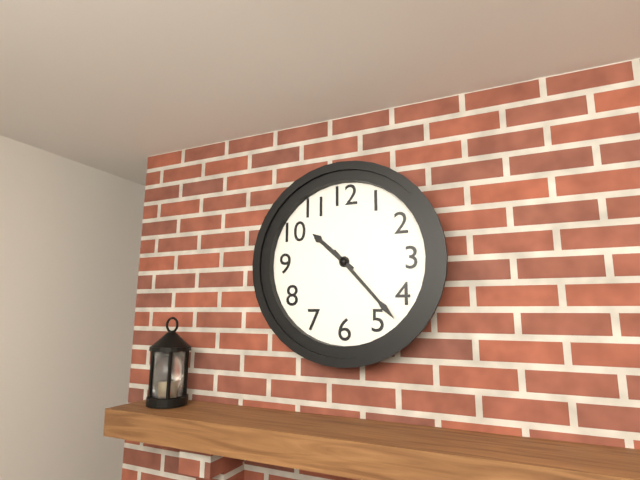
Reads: 10 h 23 min
